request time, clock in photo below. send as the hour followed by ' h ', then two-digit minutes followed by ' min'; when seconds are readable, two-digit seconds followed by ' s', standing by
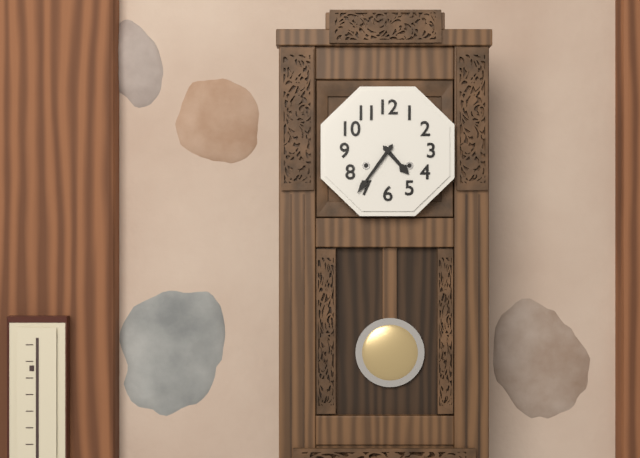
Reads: 4 h 36 min
